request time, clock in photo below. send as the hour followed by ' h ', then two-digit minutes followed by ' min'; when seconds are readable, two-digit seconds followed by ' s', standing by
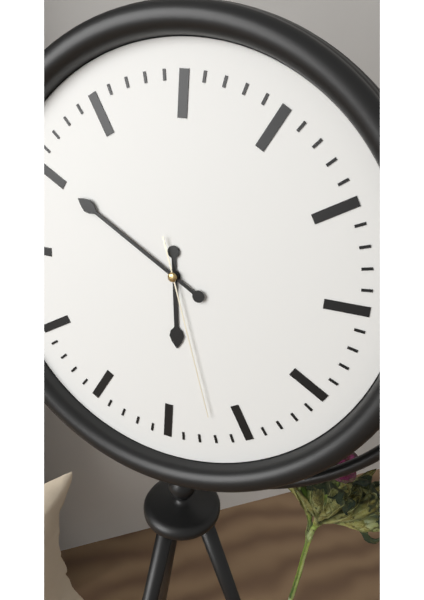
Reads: 5 h 50 min 27 s
